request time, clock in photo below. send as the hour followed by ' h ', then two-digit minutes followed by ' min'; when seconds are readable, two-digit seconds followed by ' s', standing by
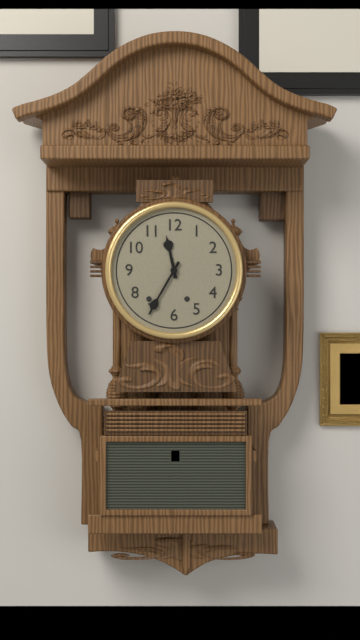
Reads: 11 h 35 min
